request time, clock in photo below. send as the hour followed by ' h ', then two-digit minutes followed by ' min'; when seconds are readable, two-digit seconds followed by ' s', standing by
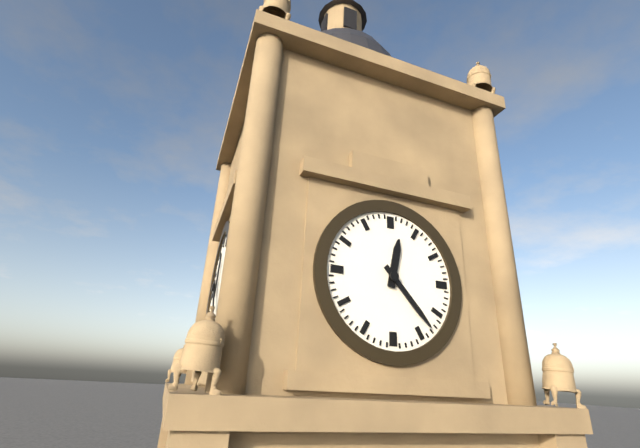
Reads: 12 h 23 min
